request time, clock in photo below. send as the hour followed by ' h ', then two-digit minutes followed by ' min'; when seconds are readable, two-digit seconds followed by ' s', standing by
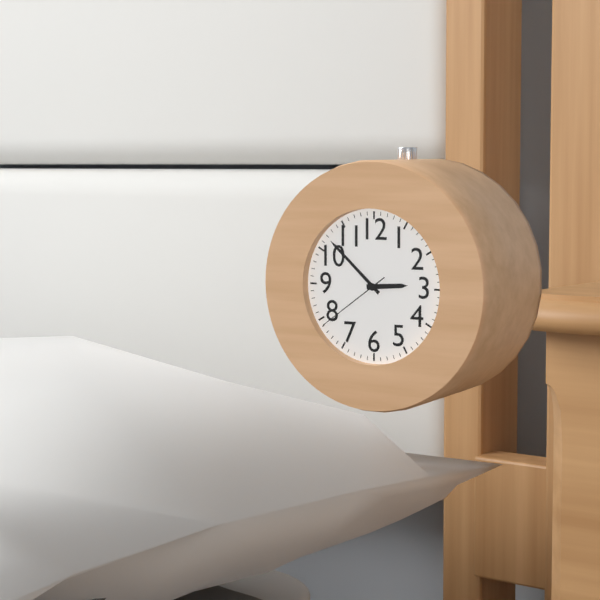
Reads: 2 h 52 min 39 s
